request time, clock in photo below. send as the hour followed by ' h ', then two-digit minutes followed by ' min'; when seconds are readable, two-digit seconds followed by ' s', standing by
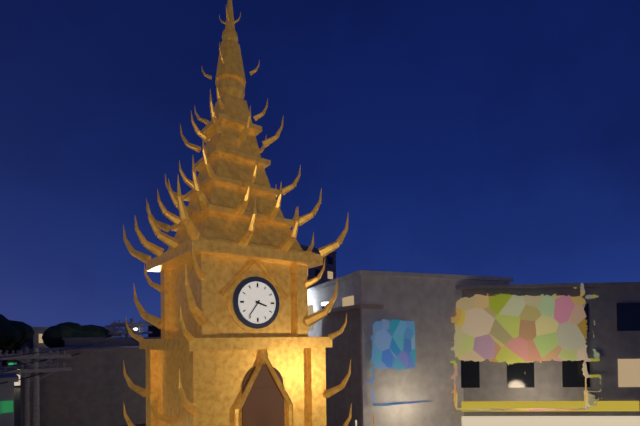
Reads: 3 h 36 min
